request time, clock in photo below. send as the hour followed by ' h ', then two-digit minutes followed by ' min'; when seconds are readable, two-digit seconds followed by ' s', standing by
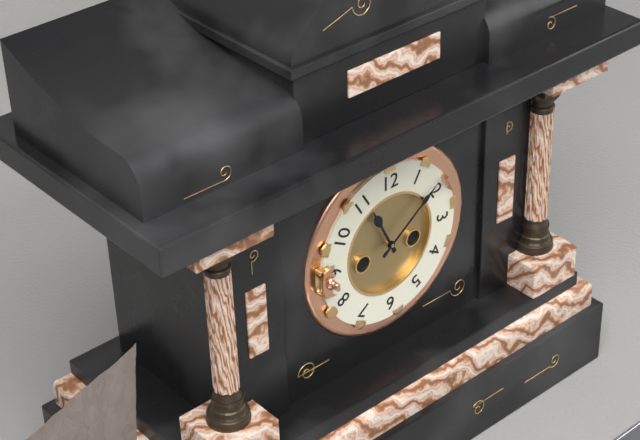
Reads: 11 h 09 min
